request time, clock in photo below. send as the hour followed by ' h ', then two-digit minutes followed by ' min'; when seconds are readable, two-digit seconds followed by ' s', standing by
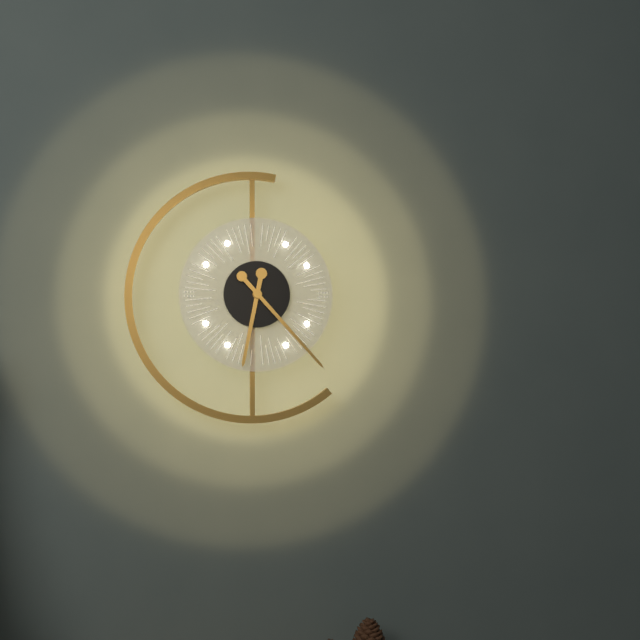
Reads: 6 h 23 min
